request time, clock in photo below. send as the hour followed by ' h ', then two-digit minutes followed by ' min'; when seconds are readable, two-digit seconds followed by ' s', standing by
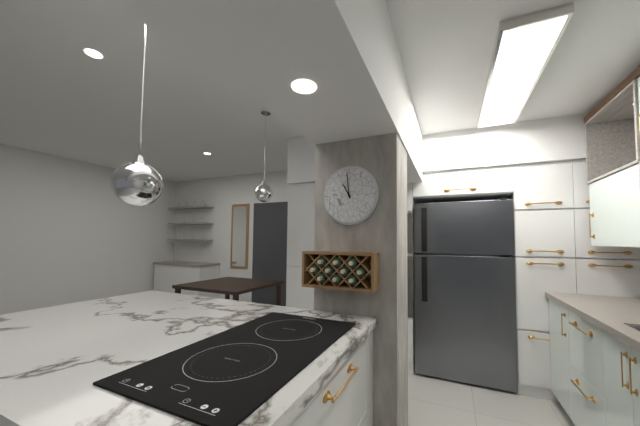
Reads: 10 h 59 min
